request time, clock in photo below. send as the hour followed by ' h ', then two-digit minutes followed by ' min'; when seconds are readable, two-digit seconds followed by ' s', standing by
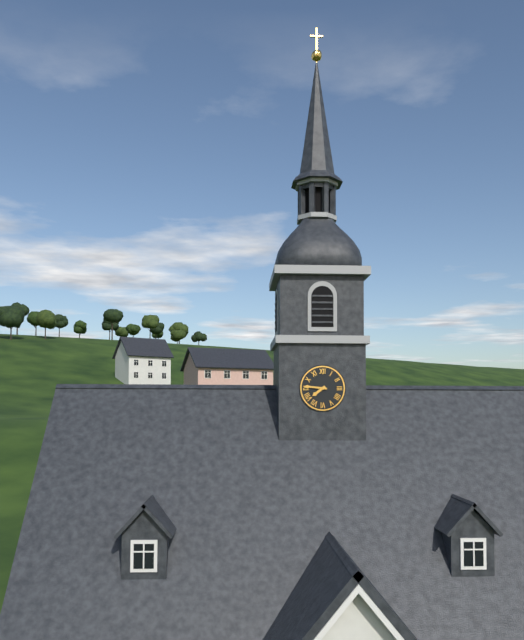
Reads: 7 h 46 min
